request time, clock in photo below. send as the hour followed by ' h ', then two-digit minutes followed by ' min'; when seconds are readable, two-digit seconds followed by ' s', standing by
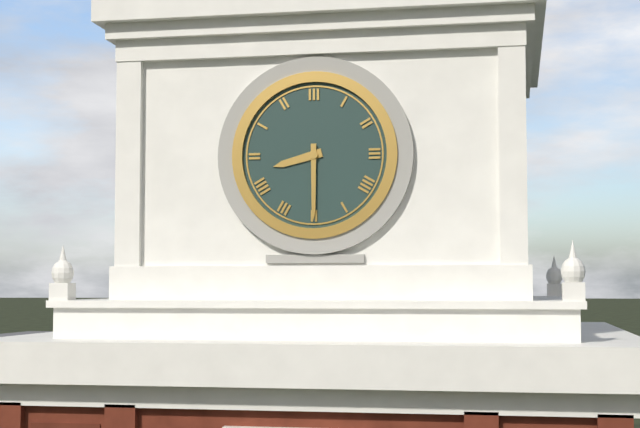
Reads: 8 h 30 min
